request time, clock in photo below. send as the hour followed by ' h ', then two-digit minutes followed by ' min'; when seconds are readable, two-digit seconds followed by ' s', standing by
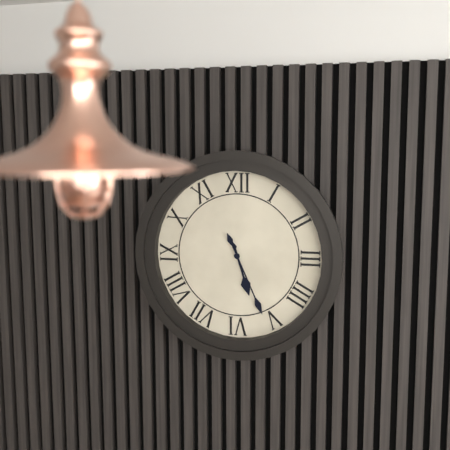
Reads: 5 h 26 min
